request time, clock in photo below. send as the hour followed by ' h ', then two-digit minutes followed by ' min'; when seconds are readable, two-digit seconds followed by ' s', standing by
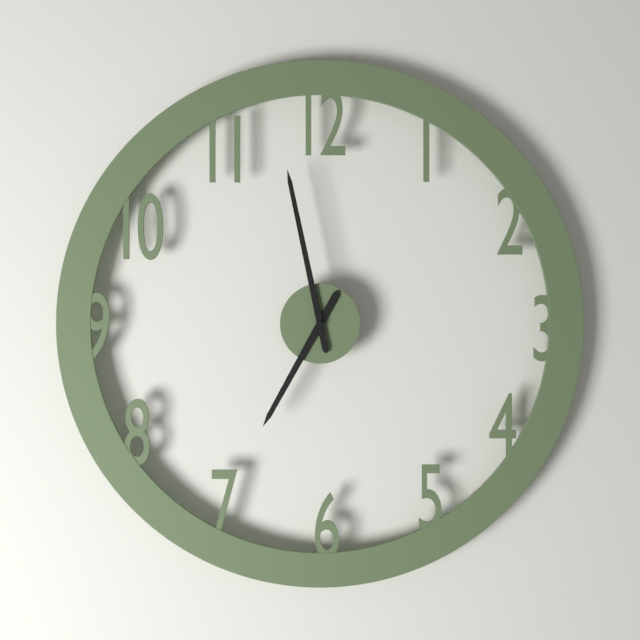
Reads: 6 h 58 min
